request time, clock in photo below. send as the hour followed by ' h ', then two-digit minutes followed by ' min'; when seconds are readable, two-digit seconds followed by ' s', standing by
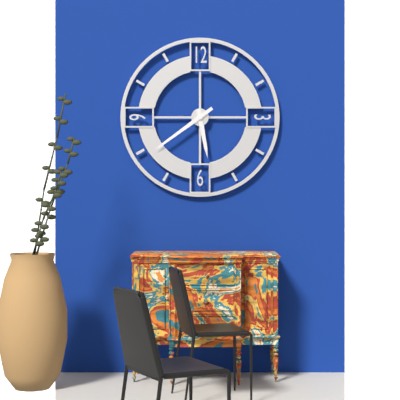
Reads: 5 h 39 min
